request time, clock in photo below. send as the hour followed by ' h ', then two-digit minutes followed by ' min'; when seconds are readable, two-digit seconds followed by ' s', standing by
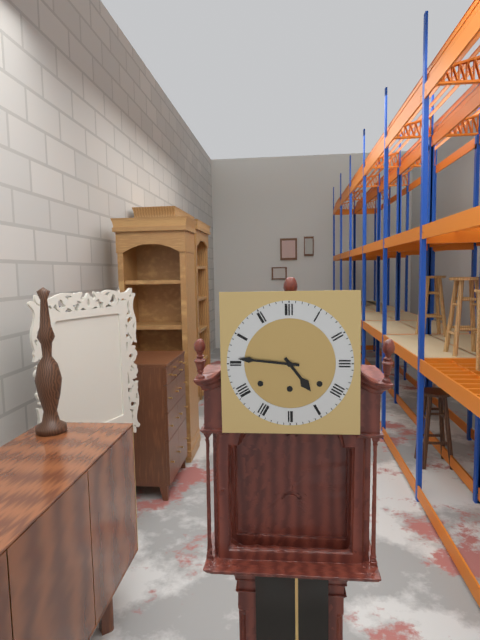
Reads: 4 h 46 min
